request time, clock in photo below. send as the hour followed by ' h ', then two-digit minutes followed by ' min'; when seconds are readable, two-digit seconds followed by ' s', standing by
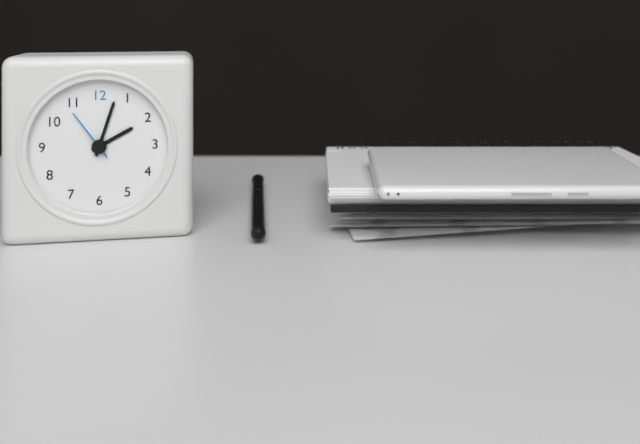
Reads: 2 h 03 min 54 s
